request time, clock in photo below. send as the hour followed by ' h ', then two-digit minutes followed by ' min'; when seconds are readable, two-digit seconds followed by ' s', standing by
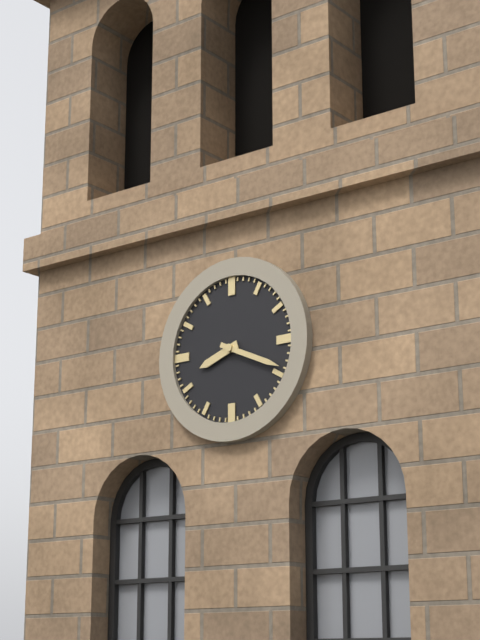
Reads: 8 h 19 min
